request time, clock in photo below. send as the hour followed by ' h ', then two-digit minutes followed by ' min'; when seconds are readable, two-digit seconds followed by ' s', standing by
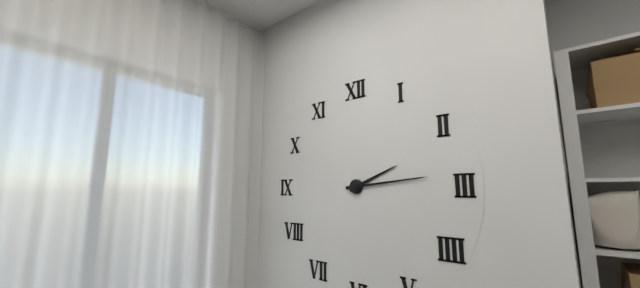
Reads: 2 h 14 min
